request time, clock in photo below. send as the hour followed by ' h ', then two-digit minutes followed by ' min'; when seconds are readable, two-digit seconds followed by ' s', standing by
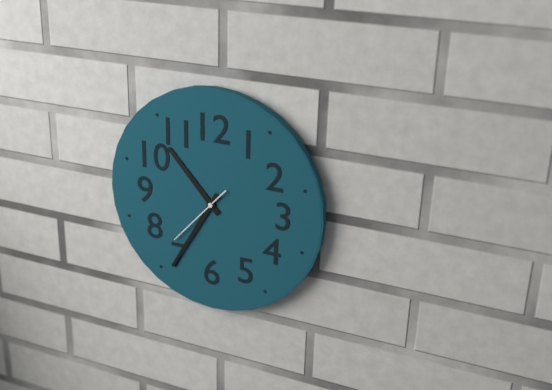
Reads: 10 h 35 min 37 s
